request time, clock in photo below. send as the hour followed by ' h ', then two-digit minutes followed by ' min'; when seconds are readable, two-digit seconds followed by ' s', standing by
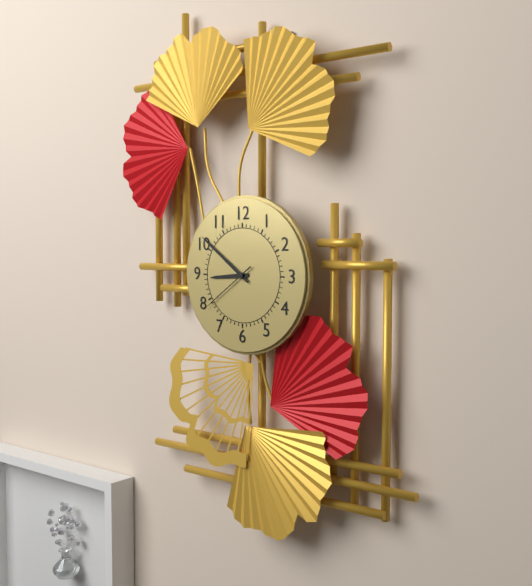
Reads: 8 h 51 min 39 s
